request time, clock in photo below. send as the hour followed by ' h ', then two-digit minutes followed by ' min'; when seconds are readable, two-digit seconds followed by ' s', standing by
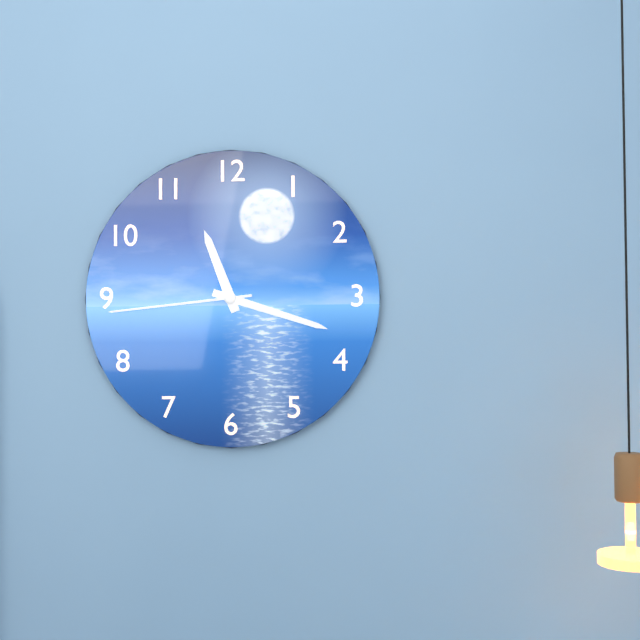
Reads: 11 h 18 min 44 s
